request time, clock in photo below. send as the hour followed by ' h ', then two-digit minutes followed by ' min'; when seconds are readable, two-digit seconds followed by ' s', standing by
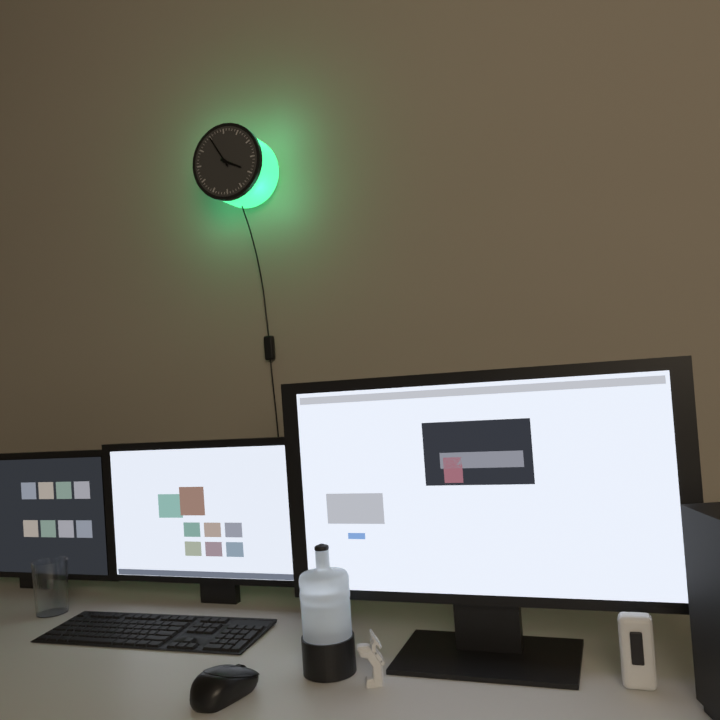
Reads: 3 h 55 min
